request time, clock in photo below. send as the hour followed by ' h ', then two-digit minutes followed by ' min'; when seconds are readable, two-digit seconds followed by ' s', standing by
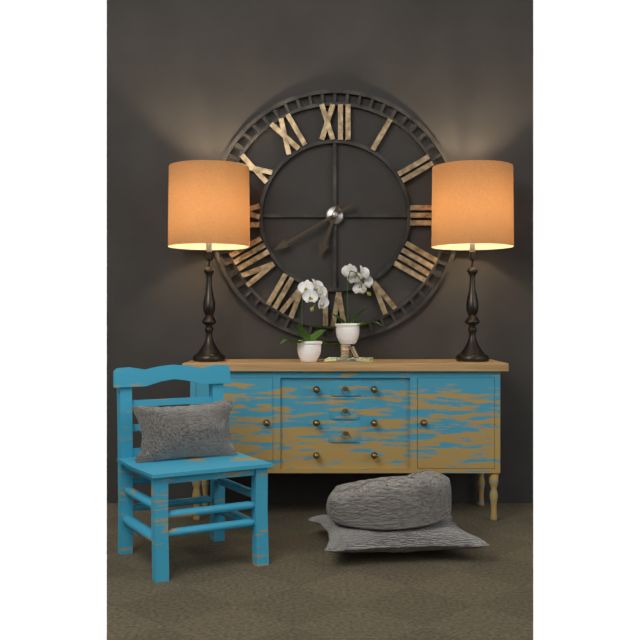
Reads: 6 h 40 min
